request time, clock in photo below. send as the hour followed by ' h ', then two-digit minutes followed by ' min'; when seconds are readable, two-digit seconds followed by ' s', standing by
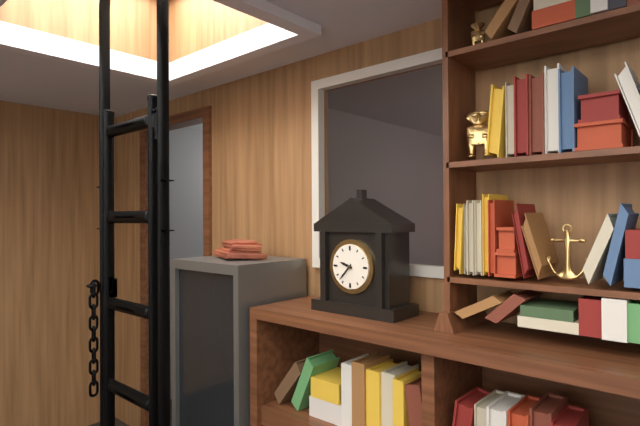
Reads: 9 h 37 min
